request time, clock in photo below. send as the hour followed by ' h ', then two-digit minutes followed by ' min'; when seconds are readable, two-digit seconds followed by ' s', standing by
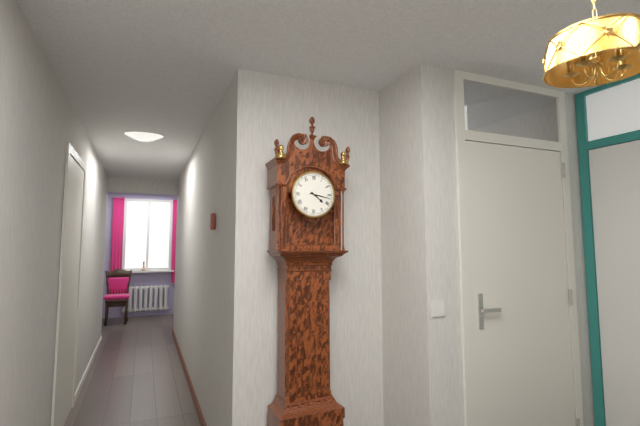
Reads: 4 h 17 min
